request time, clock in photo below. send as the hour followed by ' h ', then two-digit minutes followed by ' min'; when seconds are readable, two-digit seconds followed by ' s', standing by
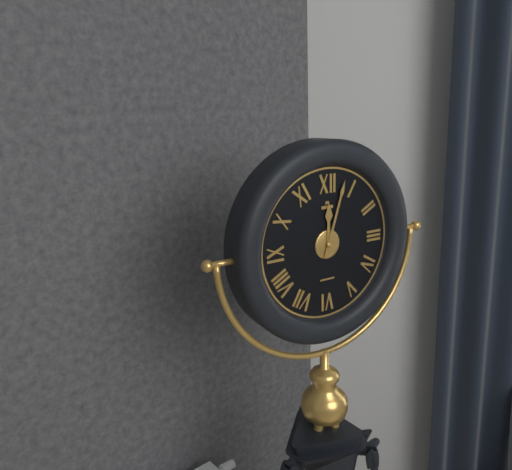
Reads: 12 h 03 min
